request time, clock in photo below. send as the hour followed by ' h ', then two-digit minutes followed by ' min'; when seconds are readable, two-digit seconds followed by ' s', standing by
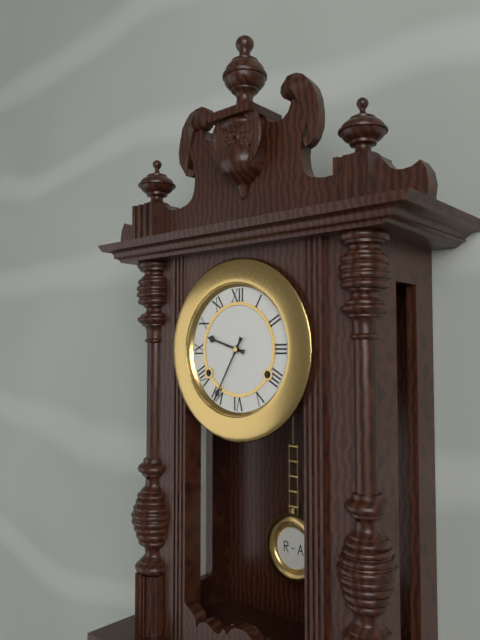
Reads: 9 h 35 min
